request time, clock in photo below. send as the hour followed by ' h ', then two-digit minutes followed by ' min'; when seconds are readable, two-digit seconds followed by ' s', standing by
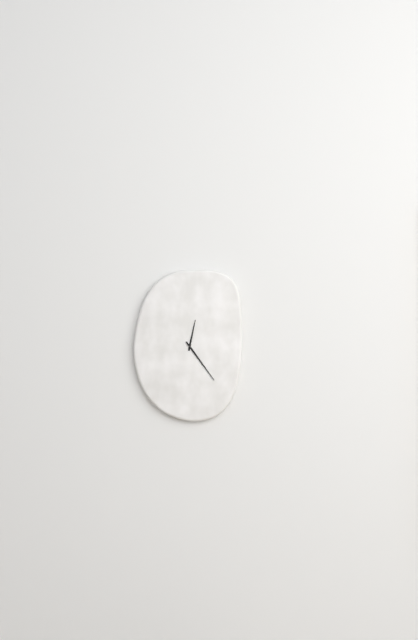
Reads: 12 h 24 min
